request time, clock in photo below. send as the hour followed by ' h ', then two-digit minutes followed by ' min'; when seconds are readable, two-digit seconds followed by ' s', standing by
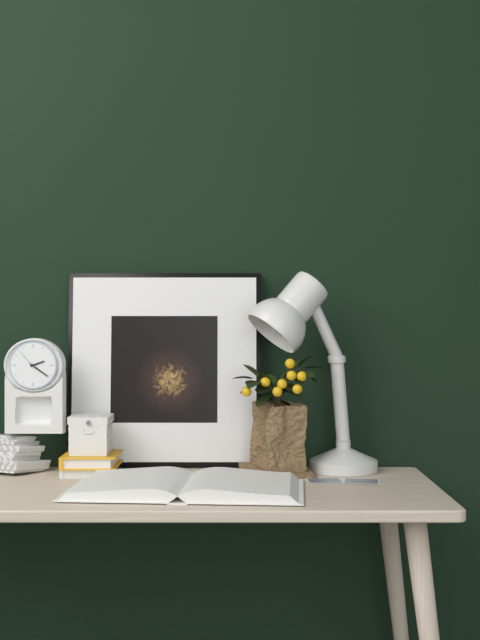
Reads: 2 h 21 min
